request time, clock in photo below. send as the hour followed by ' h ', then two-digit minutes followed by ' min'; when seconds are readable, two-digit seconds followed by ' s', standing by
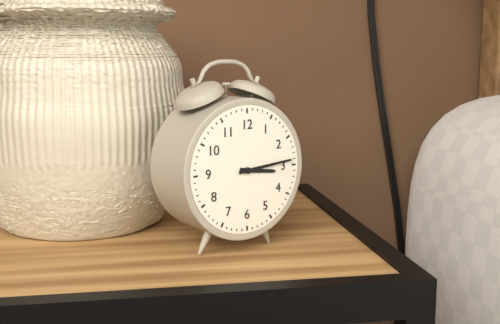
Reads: 3 h 14 min
